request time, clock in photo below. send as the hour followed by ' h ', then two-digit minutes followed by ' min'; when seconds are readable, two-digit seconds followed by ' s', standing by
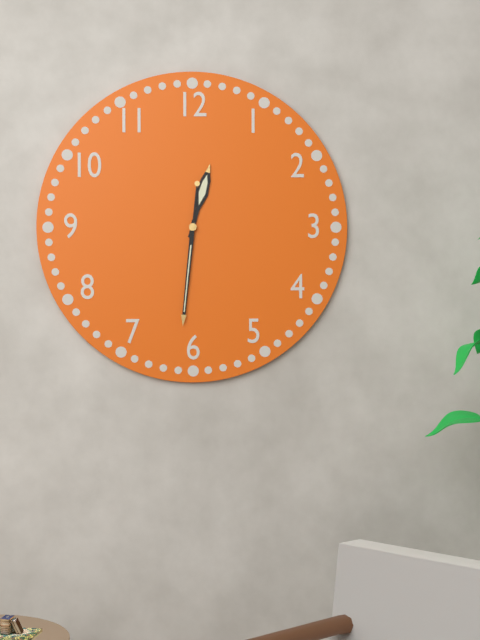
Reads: 12 h 31 min
